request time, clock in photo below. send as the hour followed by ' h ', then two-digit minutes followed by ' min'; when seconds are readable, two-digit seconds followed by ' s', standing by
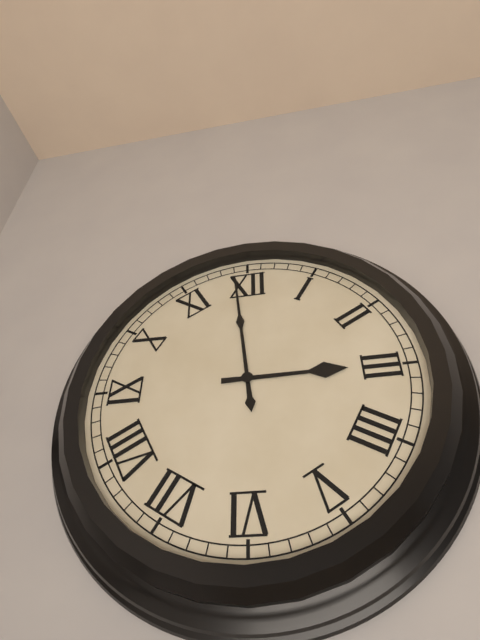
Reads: 2 h 59 min
